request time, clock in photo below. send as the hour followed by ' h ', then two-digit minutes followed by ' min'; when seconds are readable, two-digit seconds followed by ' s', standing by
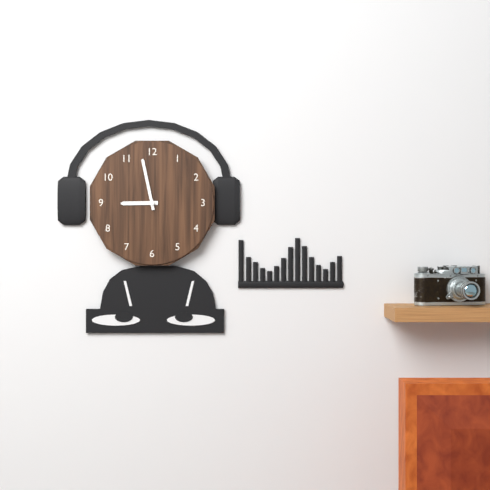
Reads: 8 h 58 min
